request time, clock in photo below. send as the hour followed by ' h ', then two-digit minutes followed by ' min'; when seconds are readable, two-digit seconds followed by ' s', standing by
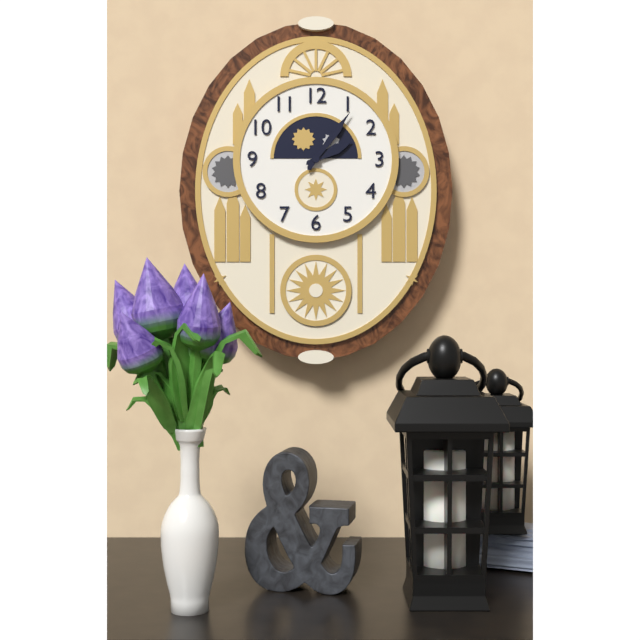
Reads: 2 h 06 min
